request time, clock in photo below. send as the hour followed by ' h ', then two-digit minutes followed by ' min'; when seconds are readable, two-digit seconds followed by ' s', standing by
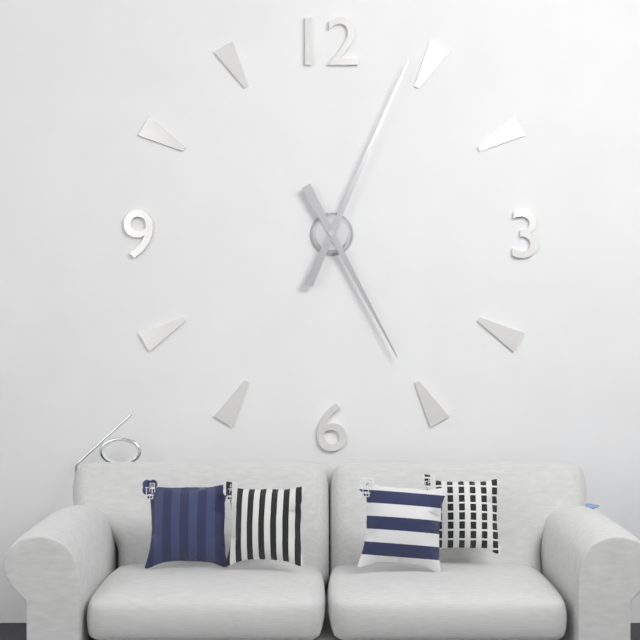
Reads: 5 h 04 min
